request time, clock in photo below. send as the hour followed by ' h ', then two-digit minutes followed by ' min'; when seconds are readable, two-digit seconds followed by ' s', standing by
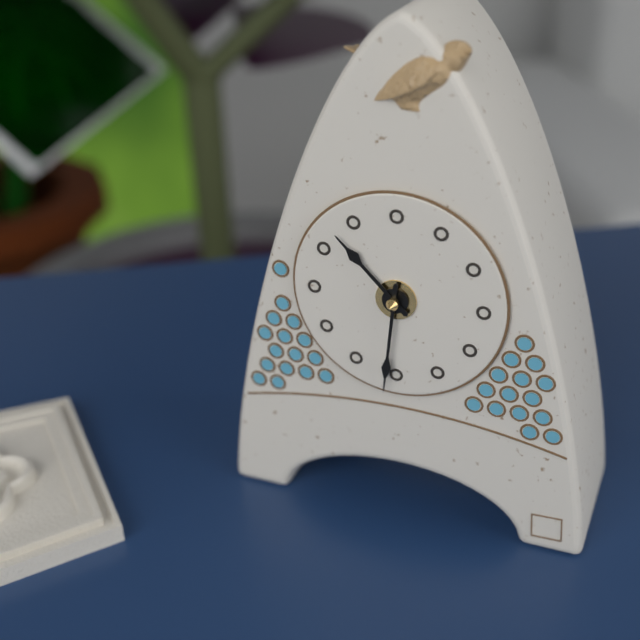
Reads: 10 h 31 min
